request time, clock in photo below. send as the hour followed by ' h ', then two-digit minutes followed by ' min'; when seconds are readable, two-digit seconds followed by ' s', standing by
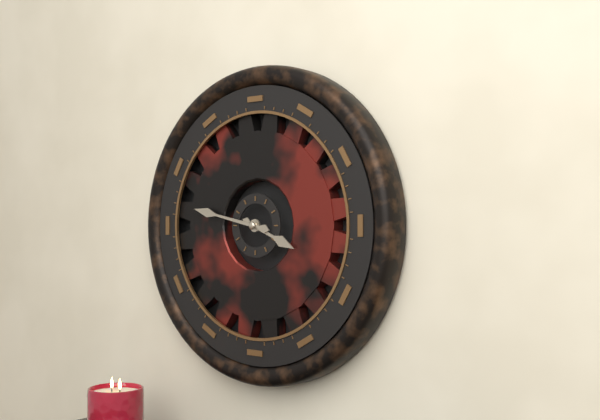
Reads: 3 h 47 min
